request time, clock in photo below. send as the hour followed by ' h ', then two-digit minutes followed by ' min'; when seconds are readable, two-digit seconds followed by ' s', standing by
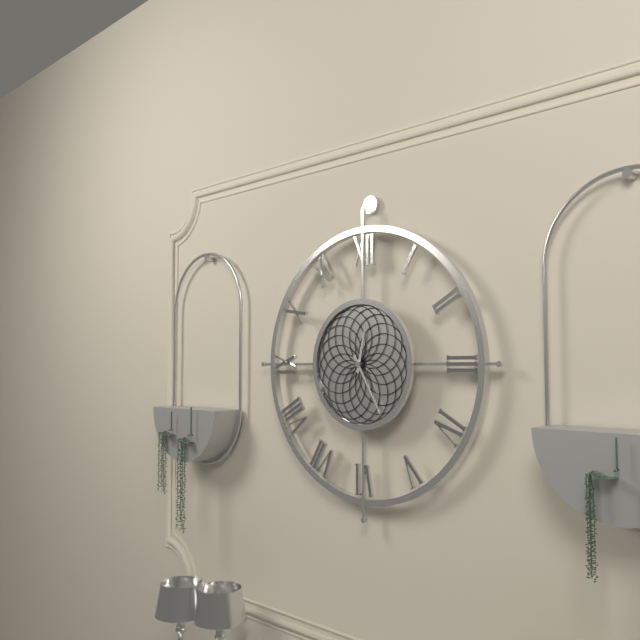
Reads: 12 h 25 min
